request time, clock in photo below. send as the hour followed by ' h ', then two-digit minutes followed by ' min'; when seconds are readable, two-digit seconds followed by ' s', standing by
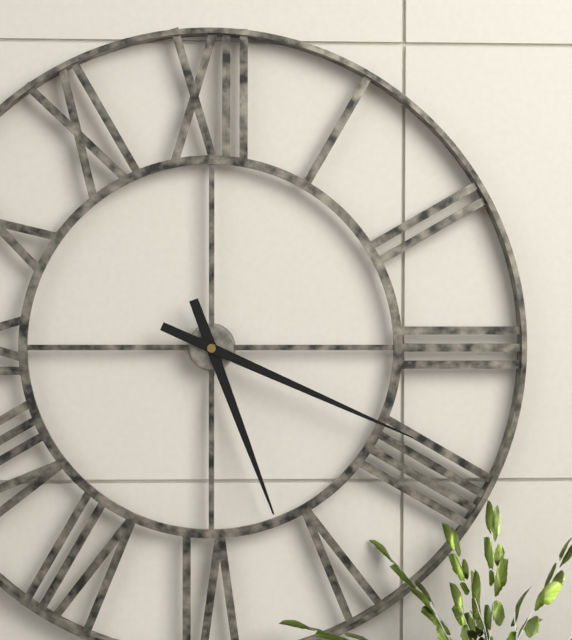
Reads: 5 h 19 min
